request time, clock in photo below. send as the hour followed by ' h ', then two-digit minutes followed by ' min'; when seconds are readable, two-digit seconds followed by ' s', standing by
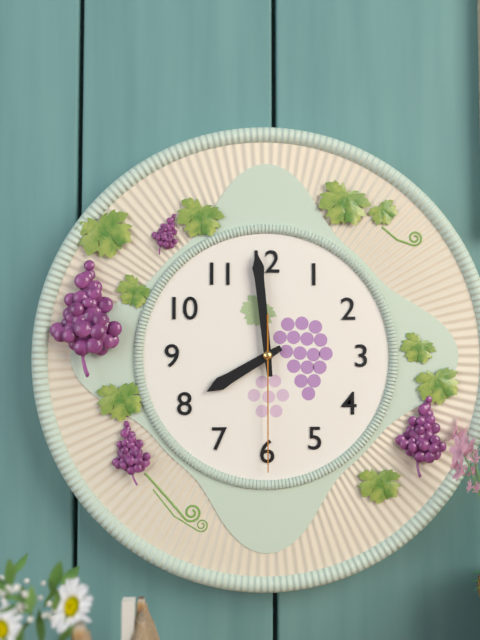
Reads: 7 h 59 min 30 s
